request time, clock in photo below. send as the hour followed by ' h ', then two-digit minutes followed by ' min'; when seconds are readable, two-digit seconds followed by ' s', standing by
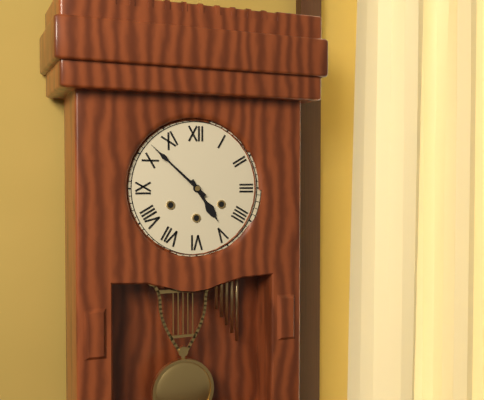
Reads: 4 h 52 min
